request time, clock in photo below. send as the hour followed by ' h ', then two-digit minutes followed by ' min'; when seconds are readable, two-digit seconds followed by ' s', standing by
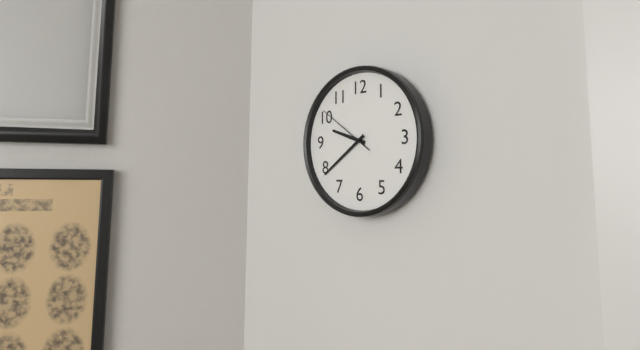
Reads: 9 h 39 min 51 s
